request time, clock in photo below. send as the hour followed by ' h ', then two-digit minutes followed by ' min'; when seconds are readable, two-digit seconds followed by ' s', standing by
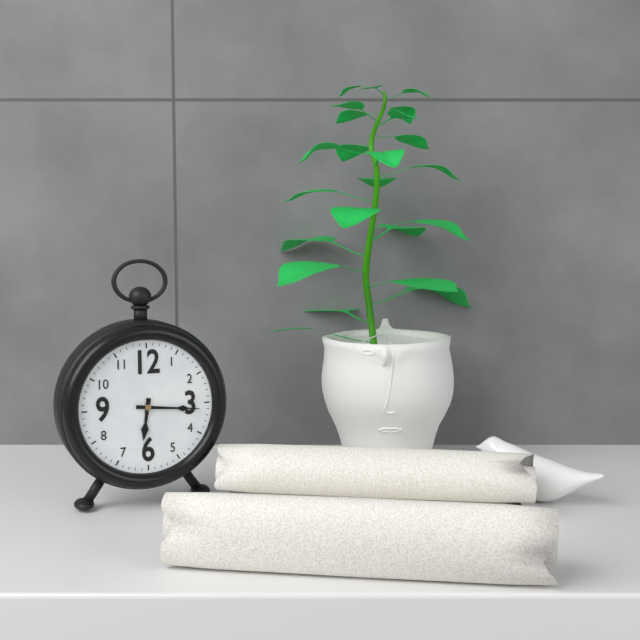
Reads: 6 h 16 min
